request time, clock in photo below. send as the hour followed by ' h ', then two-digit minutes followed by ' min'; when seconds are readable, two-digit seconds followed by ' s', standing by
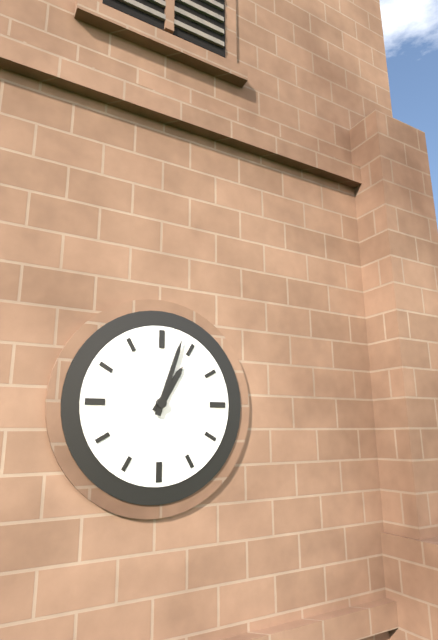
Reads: 1 h 03 min
